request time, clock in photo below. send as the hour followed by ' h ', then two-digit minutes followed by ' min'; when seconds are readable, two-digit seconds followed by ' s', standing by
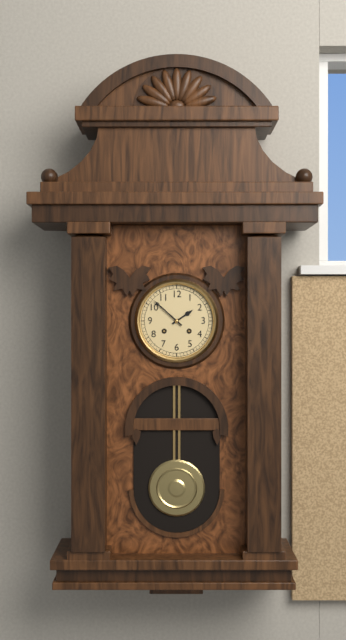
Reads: 1 h 52 min
